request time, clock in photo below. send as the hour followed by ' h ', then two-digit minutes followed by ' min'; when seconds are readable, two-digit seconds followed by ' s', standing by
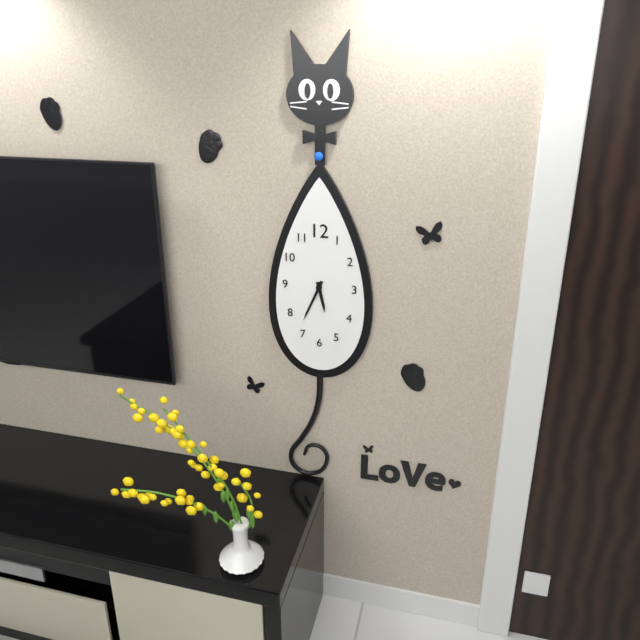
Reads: 5 h 34 min
